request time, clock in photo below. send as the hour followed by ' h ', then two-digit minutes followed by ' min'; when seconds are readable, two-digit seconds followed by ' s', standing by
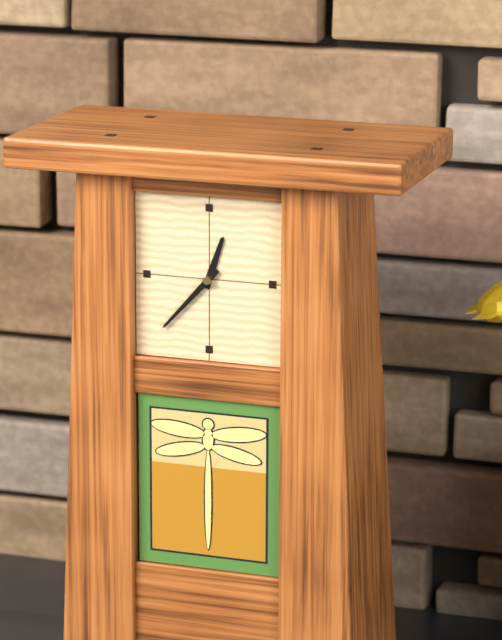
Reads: 12 h 37 min
